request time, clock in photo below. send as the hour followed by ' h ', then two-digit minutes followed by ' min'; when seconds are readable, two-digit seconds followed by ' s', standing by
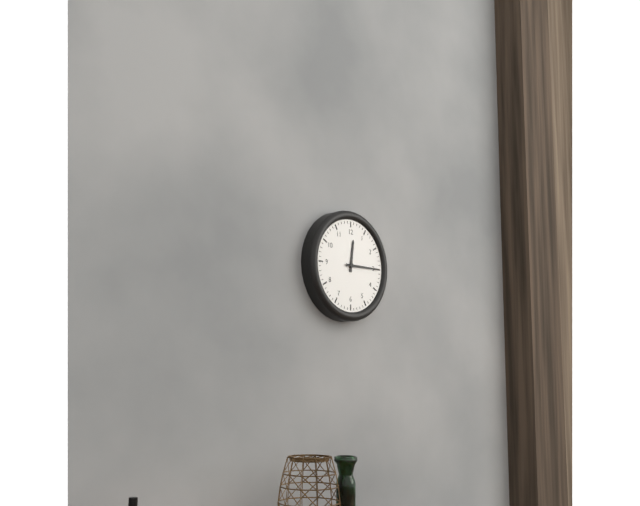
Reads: 12 h 15 min
